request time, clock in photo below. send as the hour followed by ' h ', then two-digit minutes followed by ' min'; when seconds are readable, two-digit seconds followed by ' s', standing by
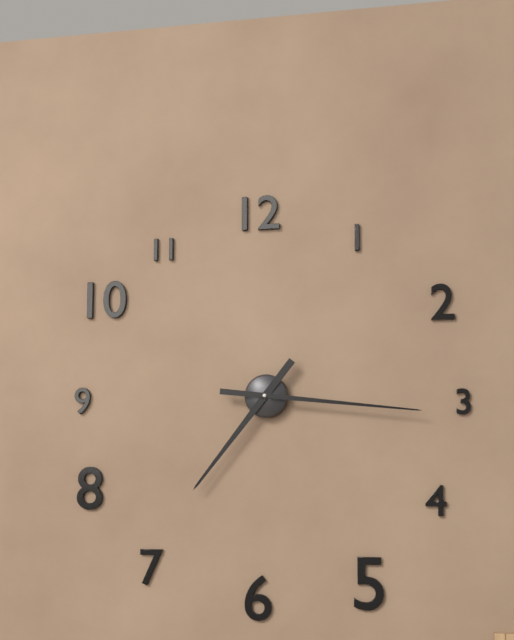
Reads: 7 h 16 min
